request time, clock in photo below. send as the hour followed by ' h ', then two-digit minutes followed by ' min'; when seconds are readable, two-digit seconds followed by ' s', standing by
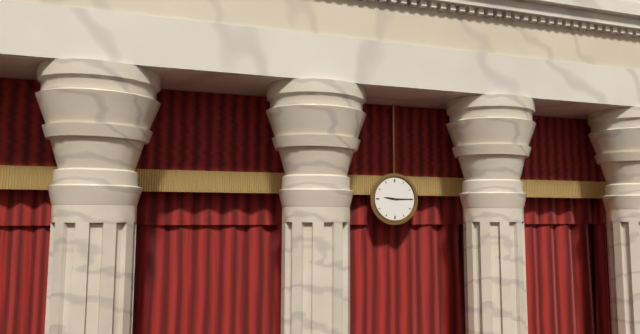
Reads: 9 h 15 min
